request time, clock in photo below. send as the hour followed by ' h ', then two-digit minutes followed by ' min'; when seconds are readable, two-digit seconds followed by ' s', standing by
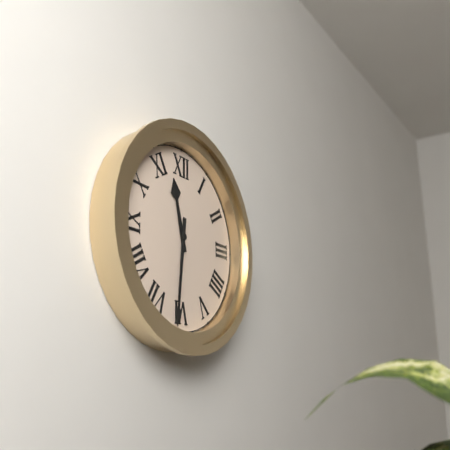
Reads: 11 h 31 min
